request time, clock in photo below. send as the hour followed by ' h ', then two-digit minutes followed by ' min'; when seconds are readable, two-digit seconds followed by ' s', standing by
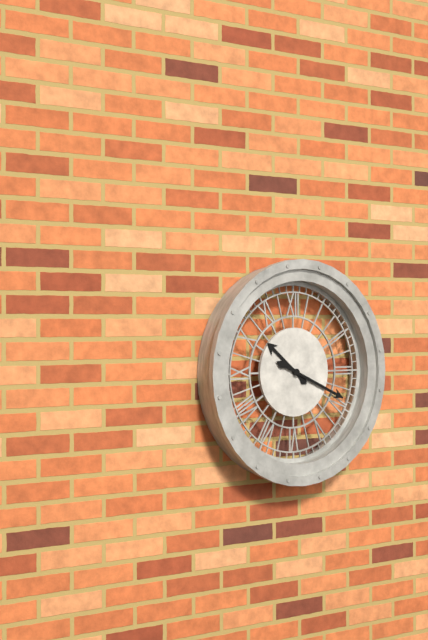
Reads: 10 h 19 min
